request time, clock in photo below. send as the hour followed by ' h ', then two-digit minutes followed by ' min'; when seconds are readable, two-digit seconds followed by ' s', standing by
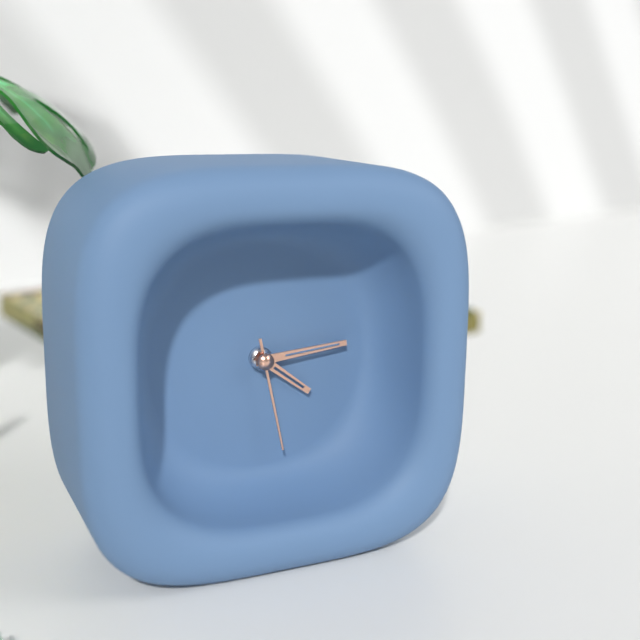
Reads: 4 h 14 min 28 s
